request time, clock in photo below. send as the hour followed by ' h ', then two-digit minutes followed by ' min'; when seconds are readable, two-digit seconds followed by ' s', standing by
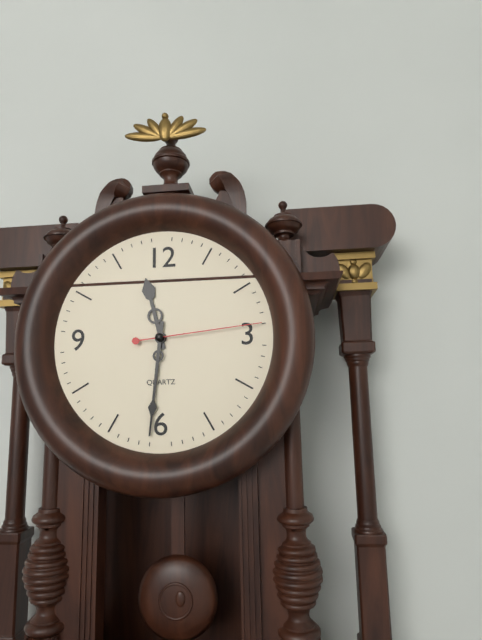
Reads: 11 h 31 min 14 s
